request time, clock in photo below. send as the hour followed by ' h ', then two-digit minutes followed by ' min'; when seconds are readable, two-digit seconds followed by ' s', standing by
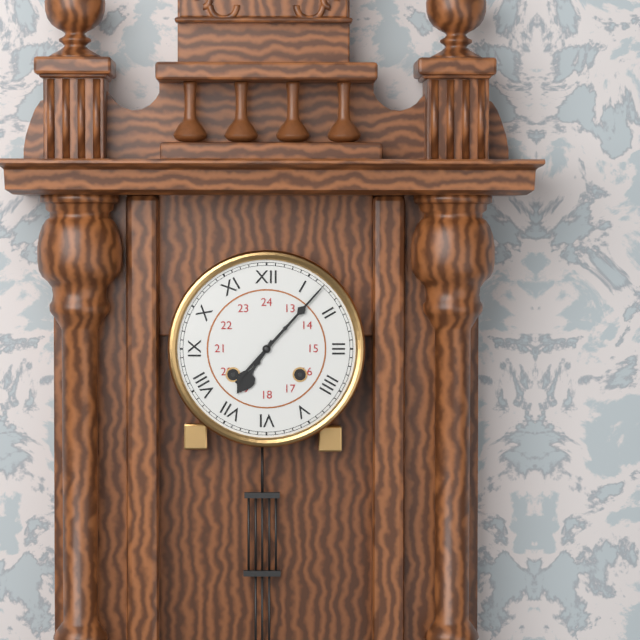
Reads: 7 h 07 min
